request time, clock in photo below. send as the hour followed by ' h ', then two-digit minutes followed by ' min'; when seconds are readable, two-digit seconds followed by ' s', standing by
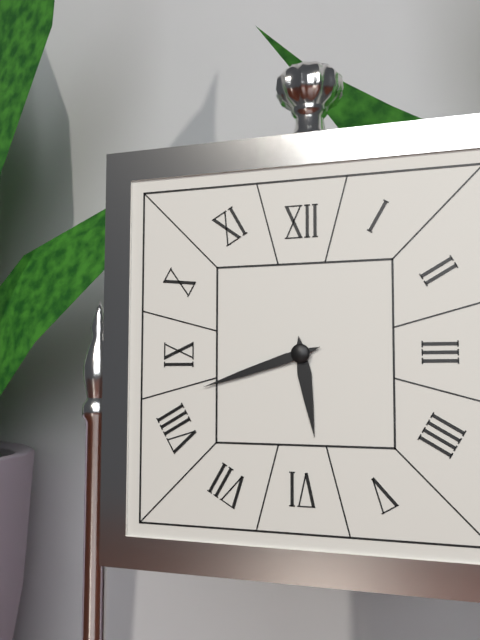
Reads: 5 h 42 min
